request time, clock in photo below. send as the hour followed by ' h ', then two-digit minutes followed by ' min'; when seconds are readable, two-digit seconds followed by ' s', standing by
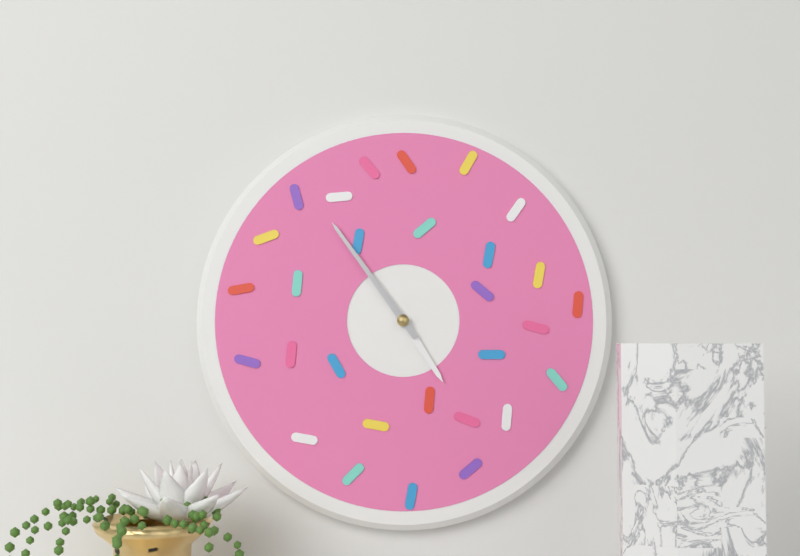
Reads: 4 h 54 min
